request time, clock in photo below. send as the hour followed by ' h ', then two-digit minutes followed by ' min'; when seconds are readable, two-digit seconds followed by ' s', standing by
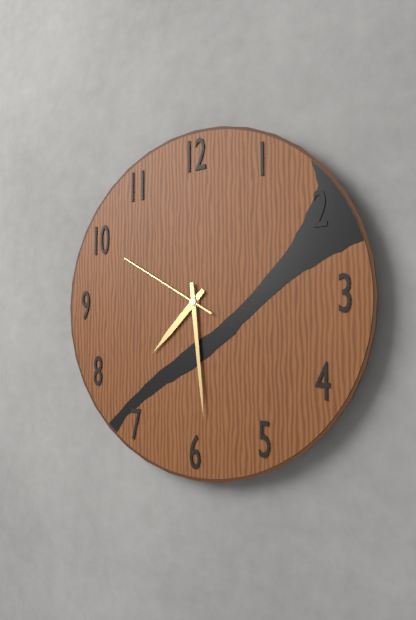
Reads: 7 h 29 min 50 s
